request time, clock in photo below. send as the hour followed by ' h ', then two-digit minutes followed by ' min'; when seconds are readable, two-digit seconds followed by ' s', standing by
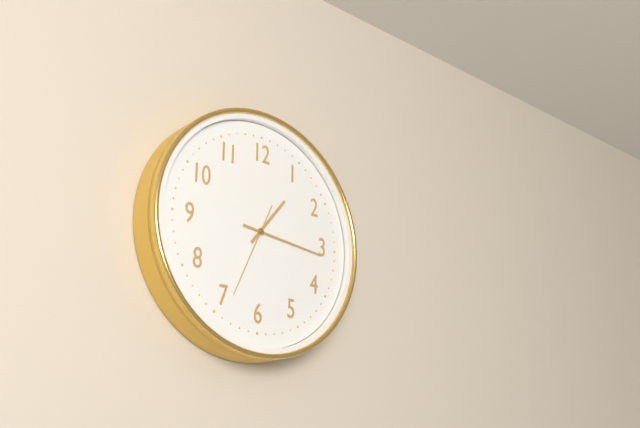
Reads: 1 h 16 min 34 s
